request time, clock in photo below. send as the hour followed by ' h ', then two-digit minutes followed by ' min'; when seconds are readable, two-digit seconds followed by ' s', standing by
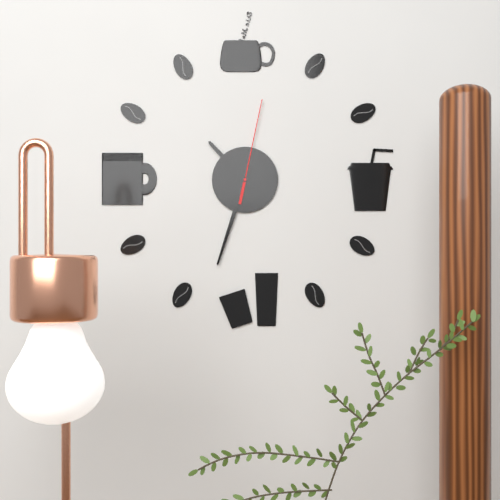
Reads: 10 h 33 min 02 s
